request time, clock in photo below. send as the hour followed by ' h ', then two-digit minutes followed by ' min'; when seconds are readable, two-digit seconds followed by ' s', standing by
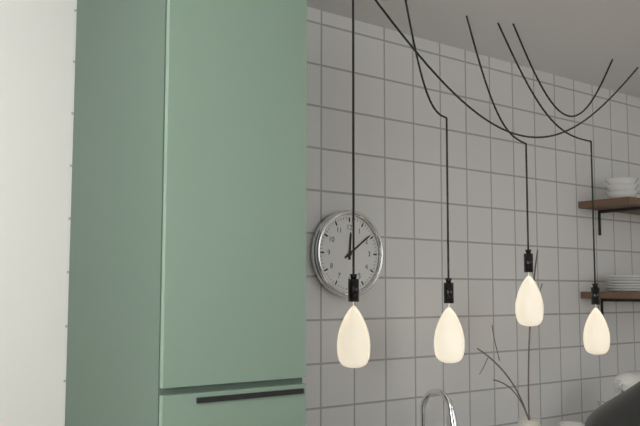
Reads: 12 h 09 min
